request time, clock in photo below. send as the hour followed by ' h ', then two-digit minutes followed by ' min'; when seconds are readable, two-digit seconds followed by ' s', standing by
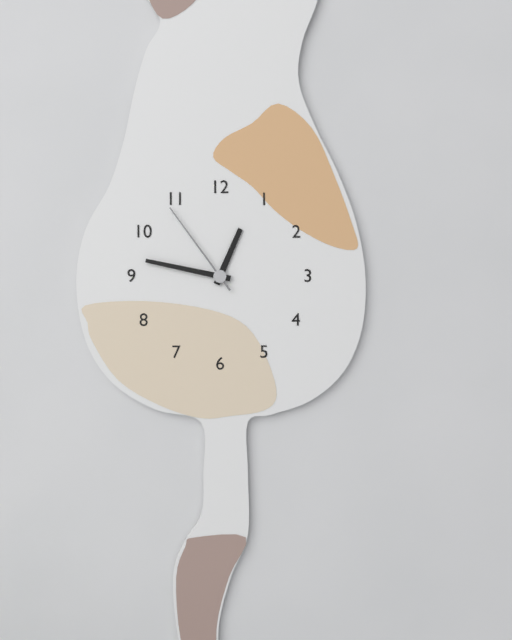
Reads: 12 h 47 min 54 s
